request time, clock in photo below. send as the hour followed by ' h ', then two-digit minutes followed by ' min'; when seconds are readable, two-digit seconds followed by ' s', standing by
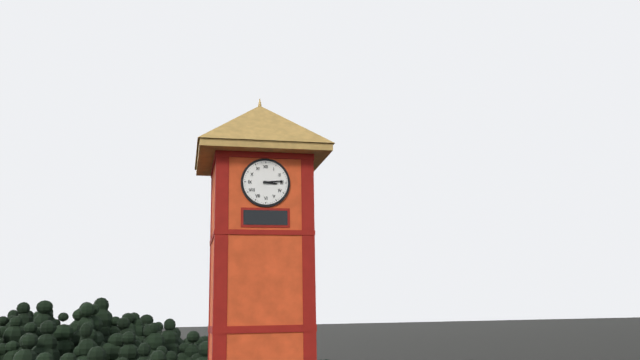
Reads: 3 h 14 min
